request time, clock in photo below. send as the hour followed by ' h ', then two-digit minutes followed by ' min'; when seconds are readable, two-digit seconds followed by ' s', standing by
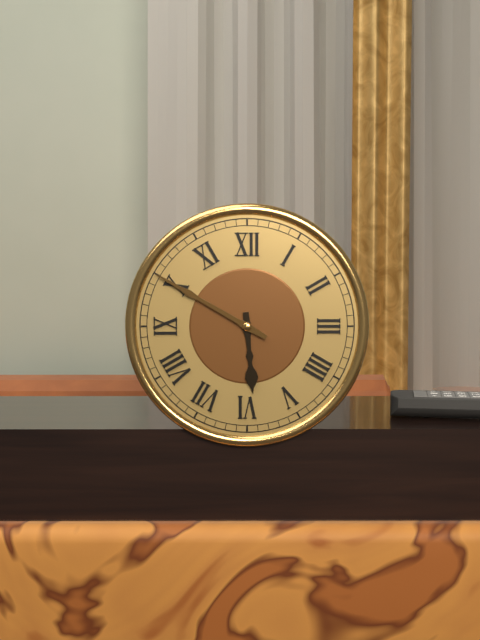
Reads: 5 h 50 min
